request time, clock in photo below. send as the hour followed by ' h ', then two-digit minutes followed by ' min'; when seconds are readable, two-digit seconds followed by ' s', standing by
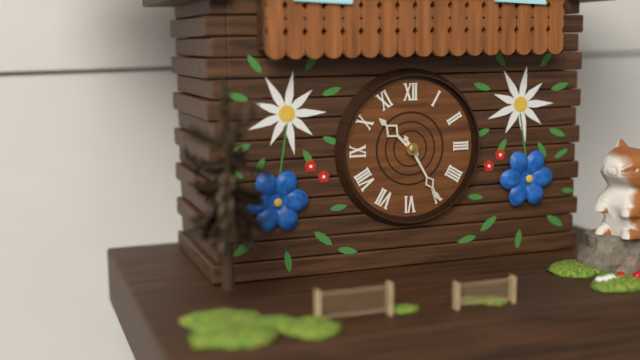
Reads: 10 h 25 min
